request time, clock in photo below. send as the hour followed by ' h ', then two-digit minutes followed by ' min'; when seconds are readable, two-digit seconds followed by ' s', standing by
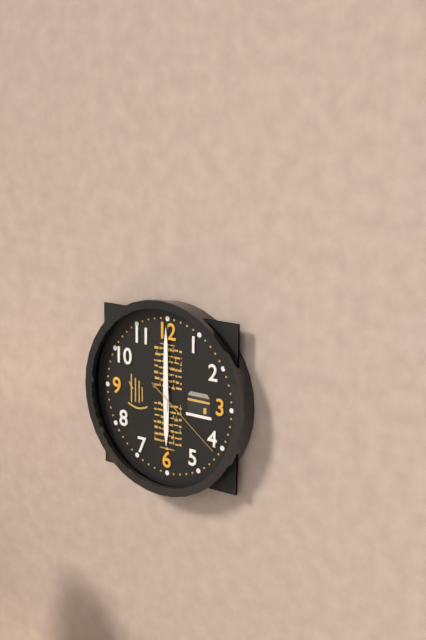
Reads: 6 h 00 min 21 s
